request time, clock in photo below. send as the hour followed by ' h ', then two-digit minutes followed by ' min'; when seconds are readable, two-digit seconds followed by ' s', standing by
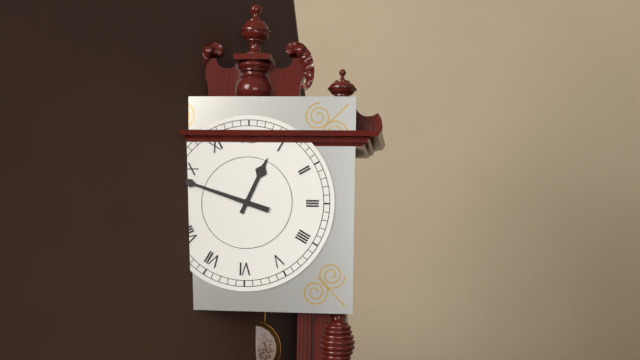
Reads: 12 h 48 min
